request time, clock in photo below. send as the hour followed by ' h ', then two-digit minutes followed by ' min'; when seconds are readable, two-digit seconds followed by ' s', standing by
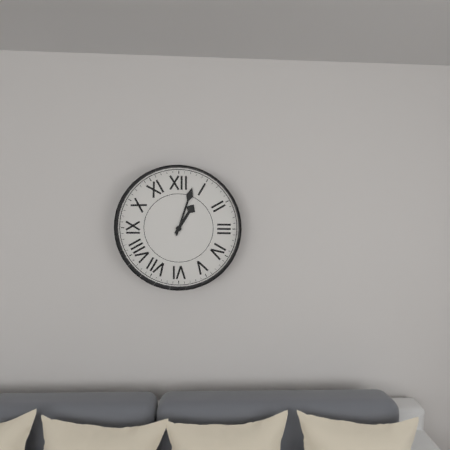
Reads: 1 h 03 min
